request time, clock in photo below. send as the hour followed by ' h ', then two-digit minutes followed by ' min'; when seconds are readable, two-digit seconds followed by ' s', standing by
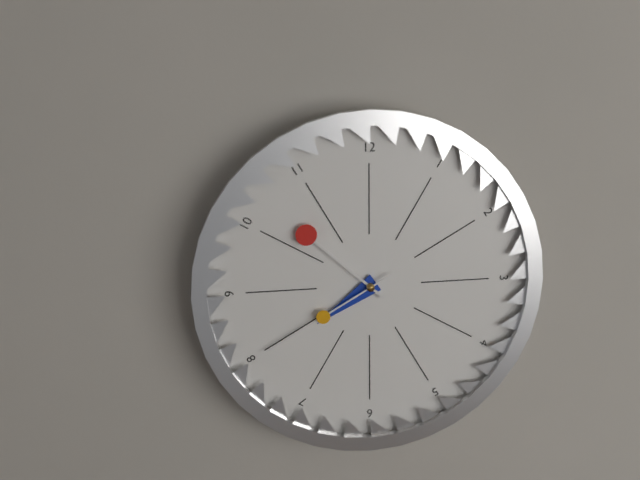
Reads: 7 h 52 min 40 s
